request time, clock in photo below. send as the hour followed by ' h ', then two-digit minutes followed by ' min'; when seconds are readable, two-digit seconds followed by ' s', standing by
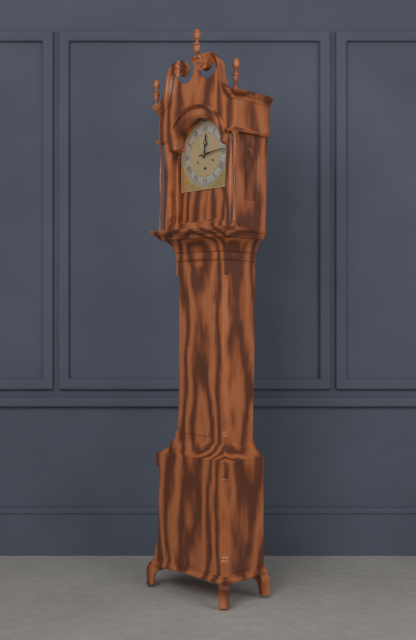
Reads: 12 h 14 min
